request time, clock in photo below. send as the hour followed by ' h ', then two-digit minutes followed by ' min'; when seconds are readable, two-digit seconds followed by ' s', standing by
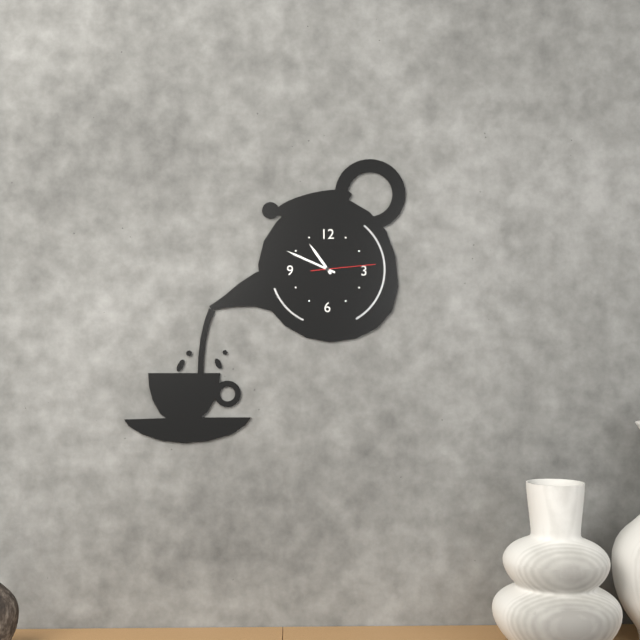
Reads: 10 h 49 min 14 s
